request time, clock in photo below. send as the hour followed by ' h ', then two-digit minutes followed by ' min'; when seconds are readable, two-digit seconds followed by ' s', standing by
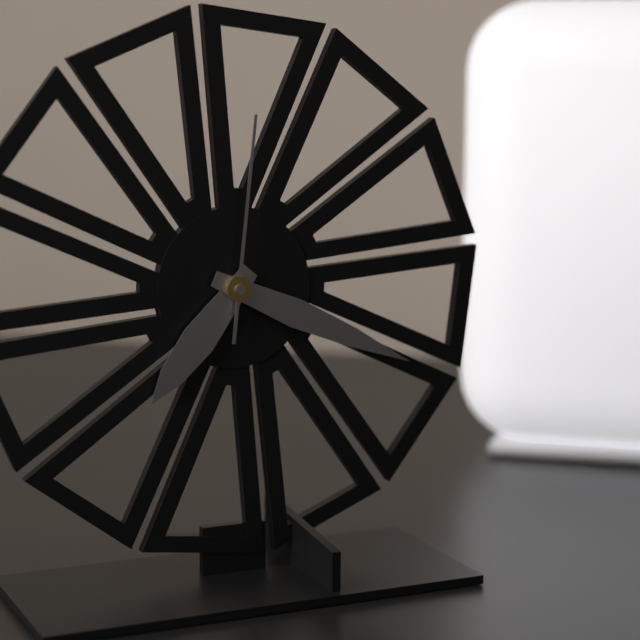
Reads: 7 h 19 min 01 s
